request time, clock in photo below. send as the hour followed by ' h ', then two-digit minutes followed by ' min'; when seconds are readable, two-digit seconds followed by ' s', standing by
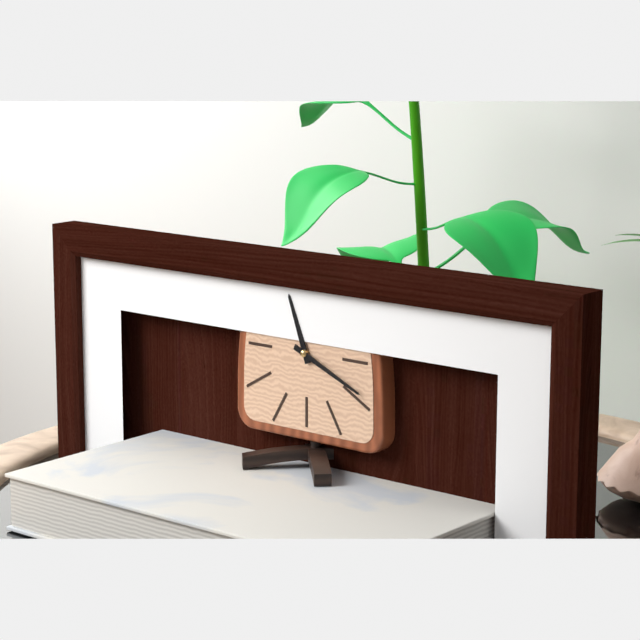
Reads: 11 h 19 min
